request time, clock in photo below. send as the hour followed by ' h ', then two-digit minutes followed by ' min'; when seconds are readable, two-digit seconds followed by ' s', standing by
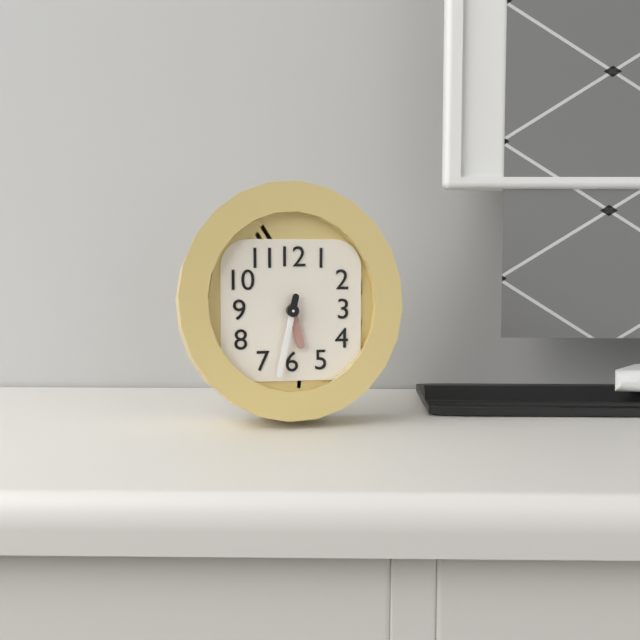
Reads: 5 h 32 min
